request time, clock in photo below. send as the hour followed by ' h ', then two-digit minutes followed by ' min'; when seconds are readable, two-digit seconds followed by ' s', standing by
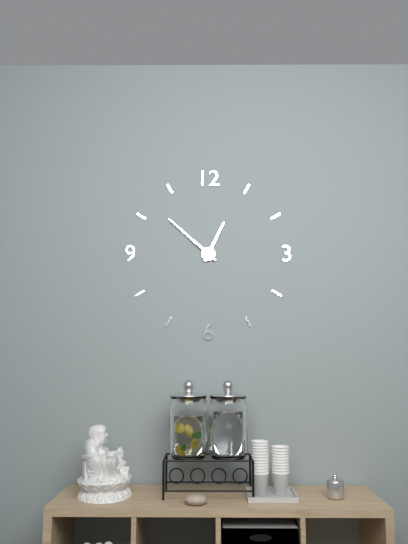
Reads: 12 h 52 min
